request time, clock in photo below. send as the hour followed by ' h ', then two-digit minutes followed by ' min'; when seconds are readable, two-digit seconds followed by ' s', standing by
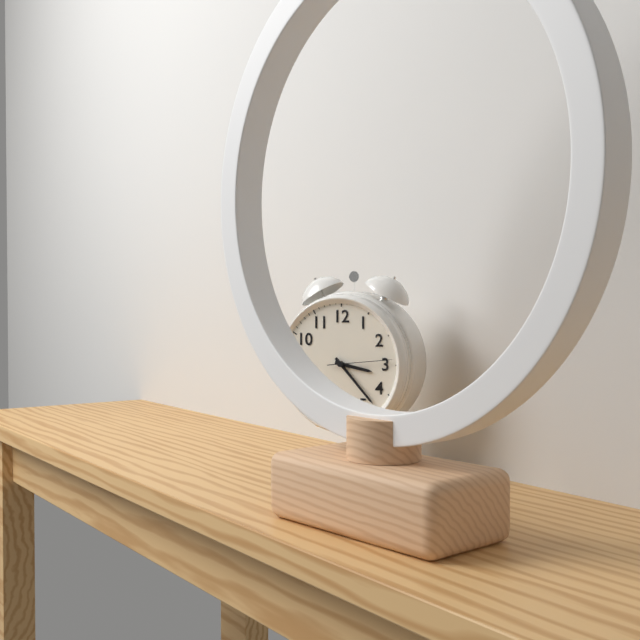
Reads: 3 h 23 min 14 s
